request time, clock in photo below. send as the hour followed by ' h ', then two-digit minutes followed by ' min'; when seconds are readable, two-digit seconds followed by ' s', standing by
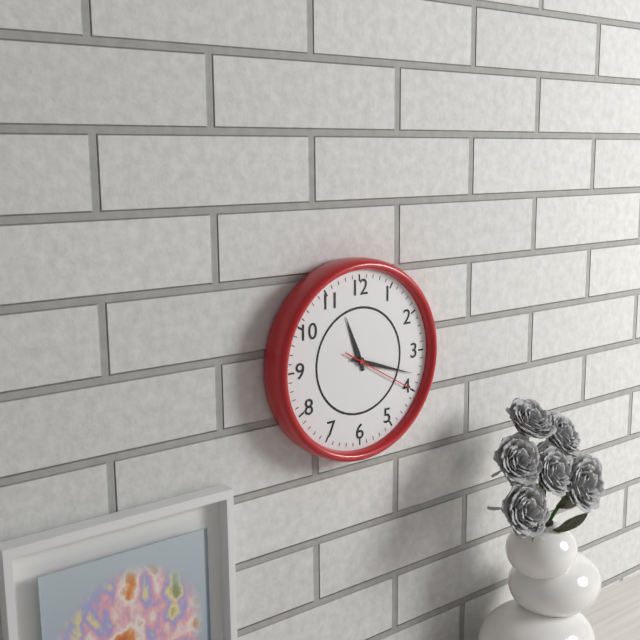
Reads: 11 h 18 min 20 s
